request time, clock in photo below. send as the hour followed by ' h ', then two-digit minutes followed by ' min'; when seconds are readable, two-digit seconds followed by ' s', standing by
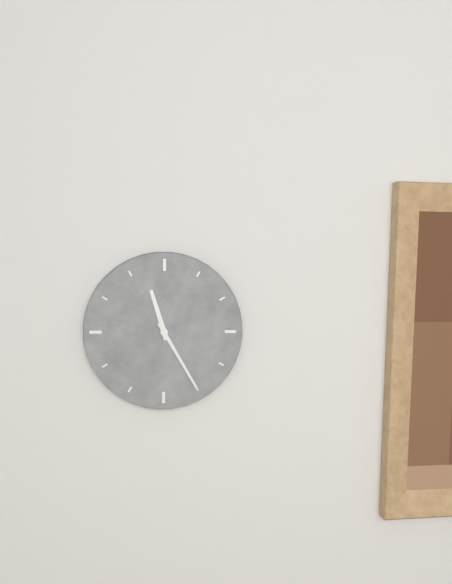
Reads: 11 h 25 min
